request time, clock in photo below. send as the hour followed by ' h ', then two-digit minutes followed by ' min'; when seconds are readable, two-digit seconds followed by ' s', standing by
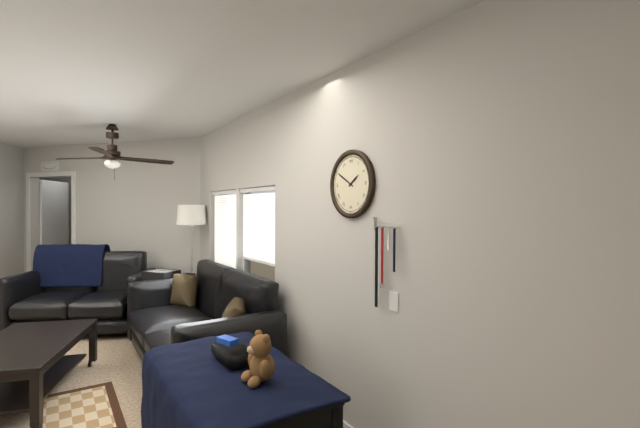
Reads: 1 h 50 min
